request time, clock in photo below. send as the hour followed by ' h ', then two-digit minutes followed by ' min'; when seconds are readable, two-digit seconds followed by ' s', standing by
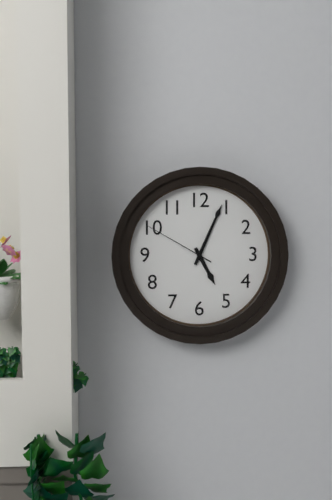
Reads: 5 h 04 min 50 s
